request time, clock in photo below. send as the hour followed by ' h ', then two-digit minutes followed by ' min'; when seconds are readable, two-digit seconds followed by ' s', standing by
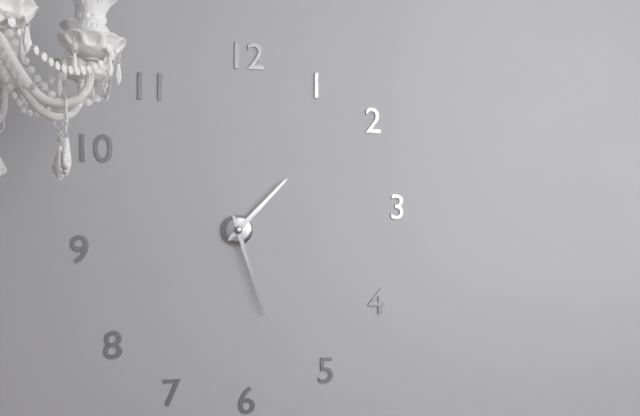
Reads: 1 h 27 min
